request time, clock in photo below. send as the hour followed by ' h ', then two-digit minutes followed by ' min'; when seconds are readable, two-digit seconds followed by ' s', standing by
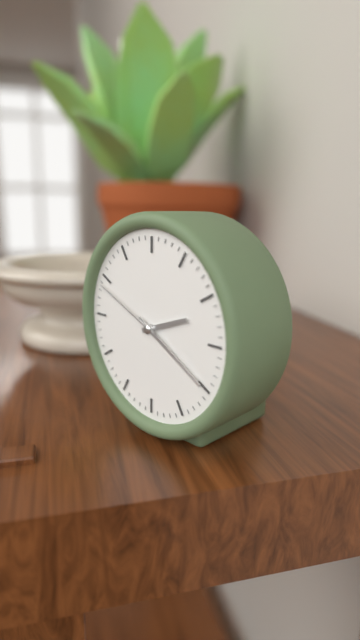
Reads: 2 h 20 min 49 s
